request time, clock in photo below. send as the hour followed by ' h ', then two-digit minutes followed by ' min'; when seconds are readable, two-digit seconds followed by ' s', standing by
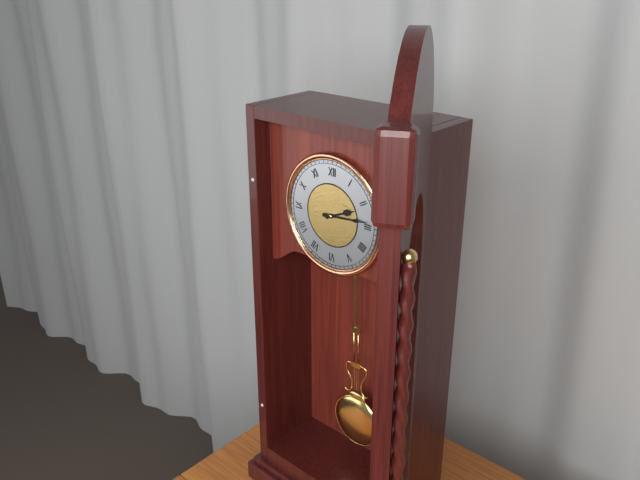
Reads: 2 h 14 min
